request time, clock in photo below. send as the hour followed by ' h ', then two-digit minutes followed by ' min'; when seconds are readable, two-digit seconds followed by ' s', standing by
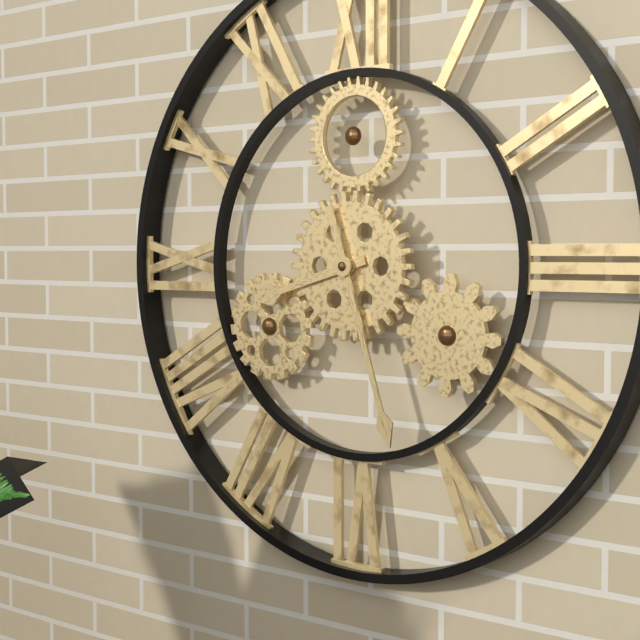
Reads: 8 h 27 min
